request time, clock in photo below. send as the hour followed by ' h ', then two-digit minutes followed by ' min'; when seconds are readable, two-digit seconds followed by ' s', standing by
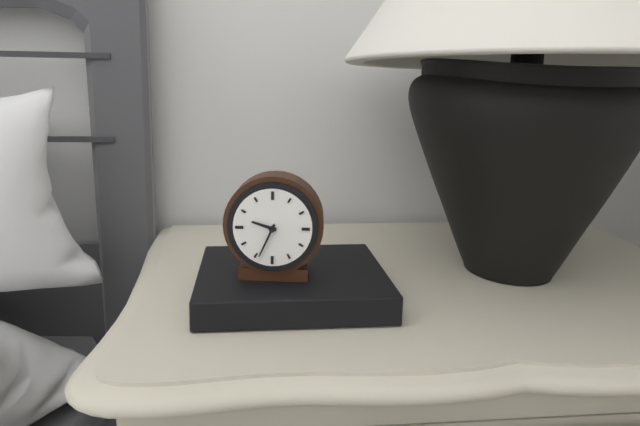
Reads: 9 h 34 min
